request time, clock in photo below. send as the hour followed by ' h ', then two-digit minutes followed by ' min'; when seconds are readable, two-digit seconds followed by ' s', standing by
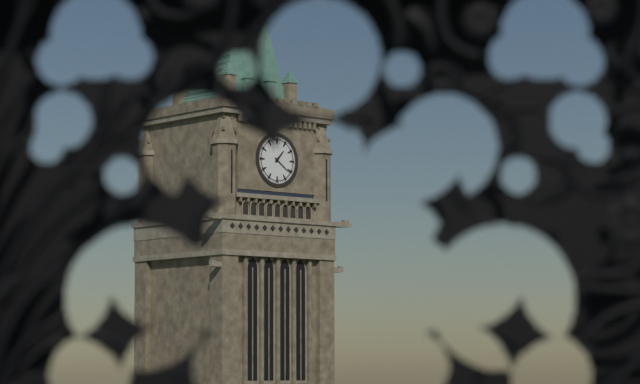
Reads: 1 h 21 min
